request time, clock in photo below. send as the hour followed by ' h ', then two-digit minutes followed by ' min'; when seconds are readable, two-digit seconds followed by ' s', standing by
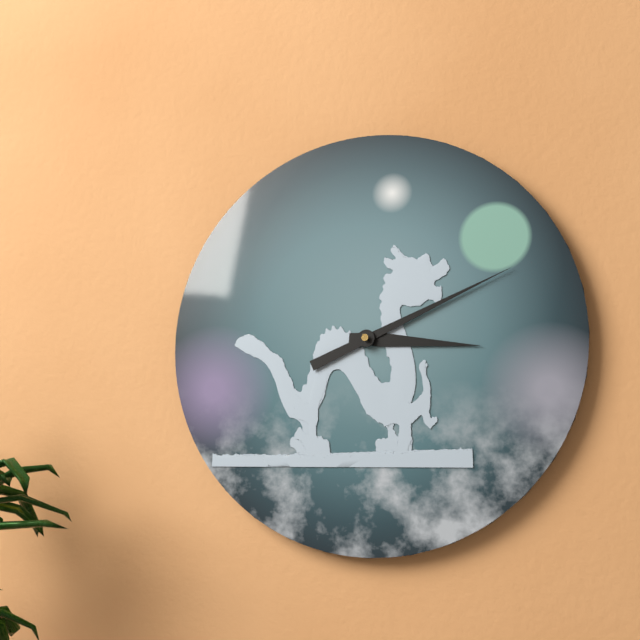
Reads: 3 h 11 min
